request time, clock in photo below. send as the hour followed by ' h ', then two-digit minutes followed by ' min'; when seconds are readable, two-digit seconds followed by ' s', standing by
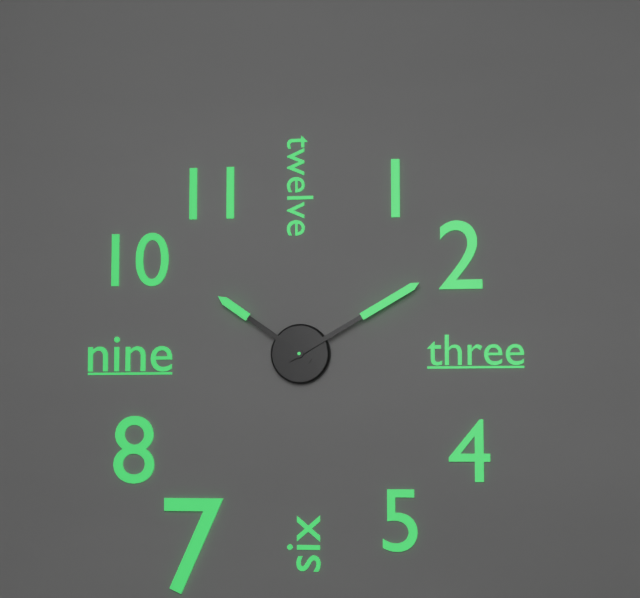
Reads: 10 h 10 min
